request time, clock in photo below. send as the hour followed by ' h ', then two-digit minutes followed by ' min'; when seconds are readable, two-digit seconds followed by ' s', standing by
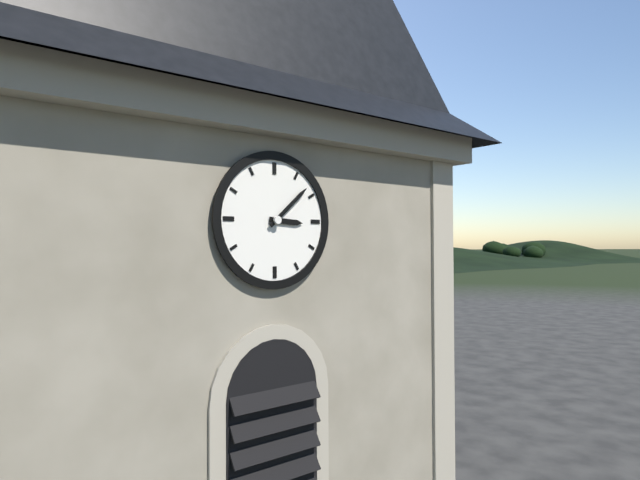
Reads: 3 h 08 min
